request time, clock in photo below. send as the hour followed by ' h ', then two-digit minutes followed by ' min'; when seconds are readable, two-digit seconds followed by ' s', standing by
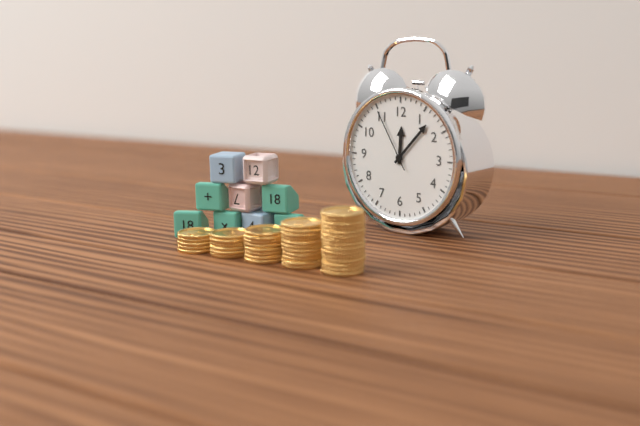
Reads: 12 h 07 min 55 s
